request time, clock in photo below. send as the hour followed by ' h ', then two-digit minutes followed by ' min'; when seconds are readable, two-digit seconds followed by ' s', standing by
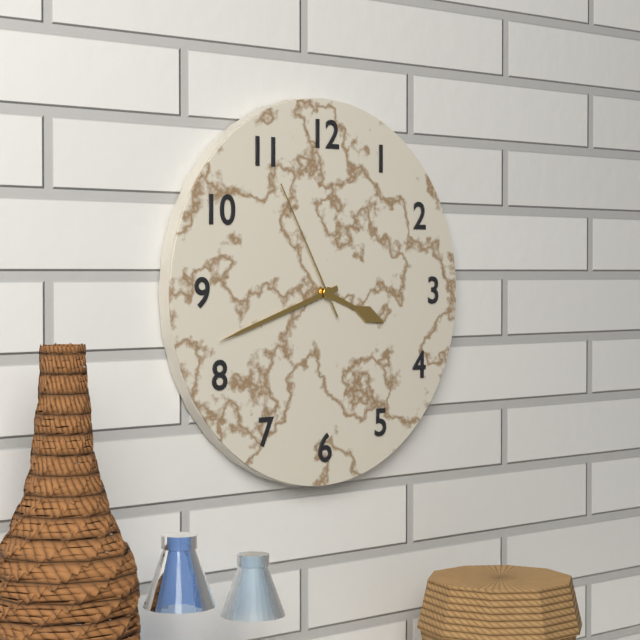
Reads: 3 h 42 min 55 s
